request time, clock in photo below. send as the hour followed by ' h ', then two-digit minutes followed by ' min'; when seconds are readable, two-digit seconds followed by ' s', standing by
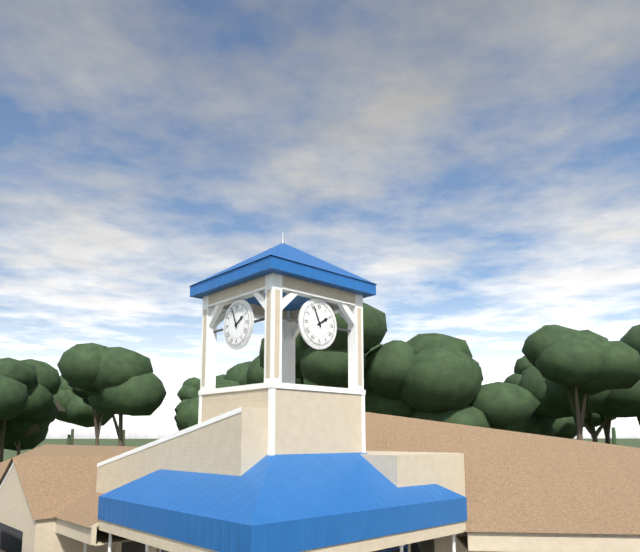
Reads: 1 h 56 min
